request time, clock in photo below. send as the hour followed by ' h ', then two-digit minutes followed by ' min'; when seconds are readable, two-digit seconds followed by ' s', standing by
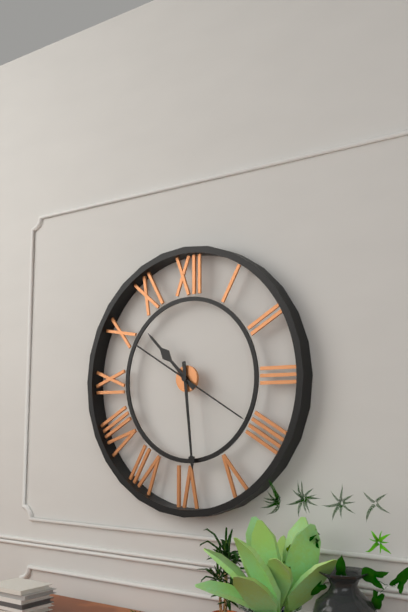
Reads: 10 h 29 min 20 s
